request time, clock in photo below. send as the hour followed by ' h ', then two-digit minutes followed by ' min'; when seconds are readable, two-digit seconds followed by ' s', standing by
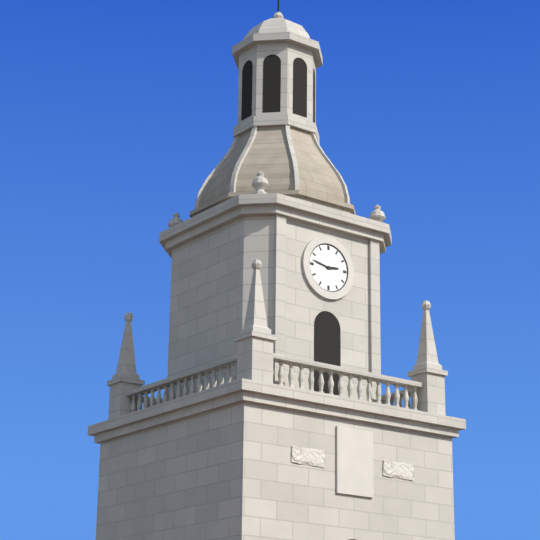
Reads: 2 h 47 min
